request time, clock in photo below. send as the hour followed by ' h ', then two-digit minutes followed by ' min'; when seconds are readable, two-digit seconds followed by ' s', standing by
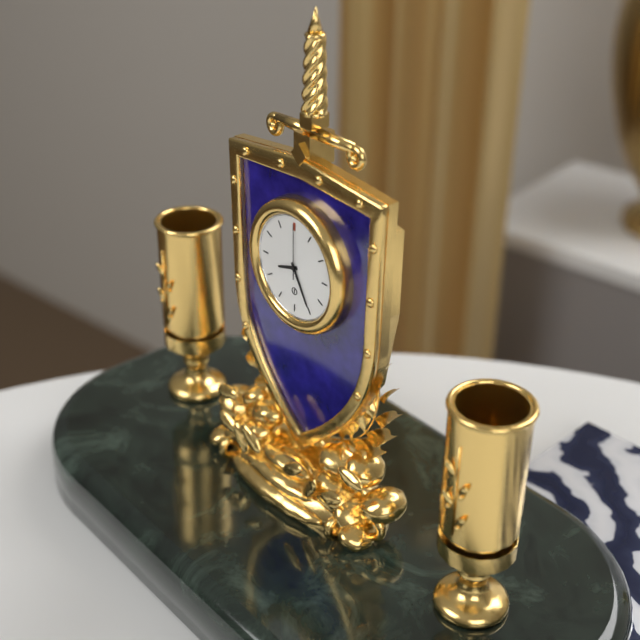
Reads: 8 h 25 min 00 s
